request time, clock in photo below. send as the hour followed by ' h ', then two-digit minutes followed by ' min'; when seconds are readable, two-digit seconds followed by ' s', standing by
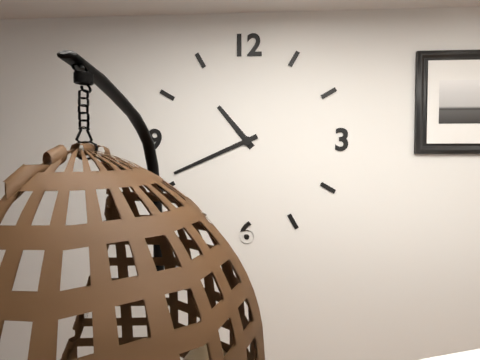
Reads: 10 h 41 min
